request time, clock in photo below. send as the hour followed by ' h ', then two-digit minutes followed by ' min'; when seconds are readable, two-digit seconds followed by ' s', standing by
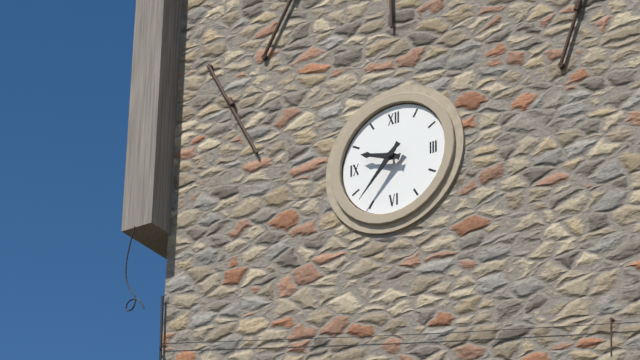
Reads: 9 h 37 min
